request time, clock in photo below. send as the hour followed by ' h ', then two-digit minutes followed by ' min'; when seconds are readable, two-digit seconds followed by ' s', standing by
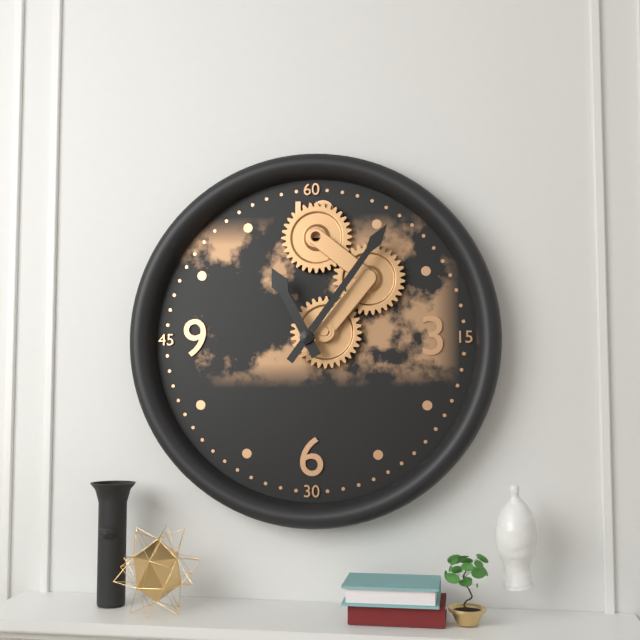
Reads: 11 h 06 min
